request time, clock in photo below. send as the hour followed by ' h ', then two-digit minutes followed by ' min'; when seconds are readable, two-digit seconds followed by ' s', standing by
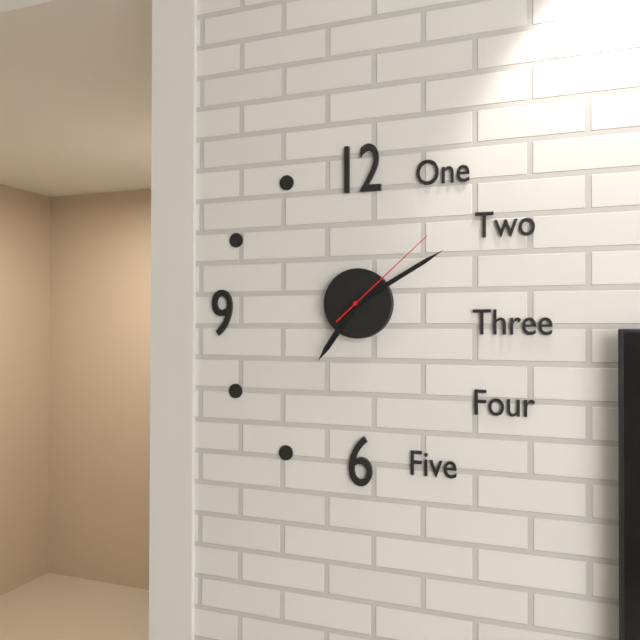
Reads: 7 h 10 min 08 s
